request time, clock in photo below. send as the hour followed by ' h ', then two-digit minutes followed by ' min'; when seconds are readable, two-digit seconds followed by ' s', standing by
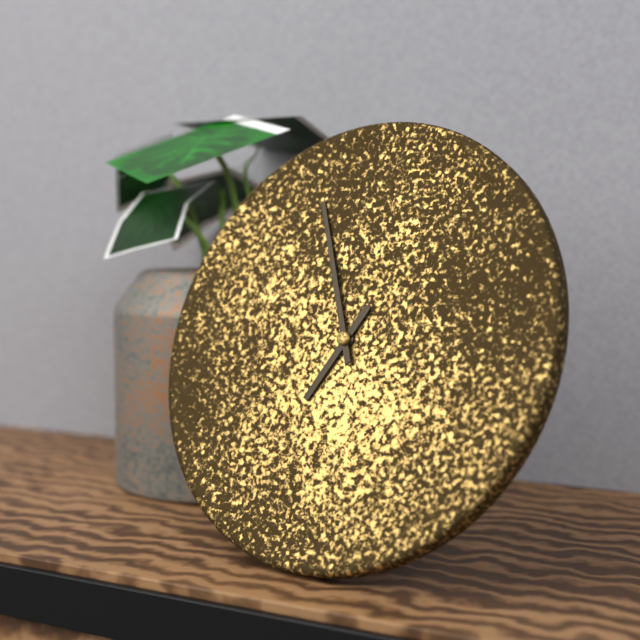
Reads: 6 h 56 min
